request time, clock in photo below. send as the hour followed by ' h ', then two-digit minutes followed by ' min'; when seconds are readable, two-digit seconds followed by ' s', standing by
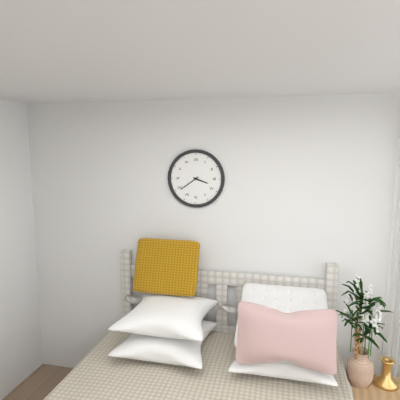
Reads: 3 h 39 min
